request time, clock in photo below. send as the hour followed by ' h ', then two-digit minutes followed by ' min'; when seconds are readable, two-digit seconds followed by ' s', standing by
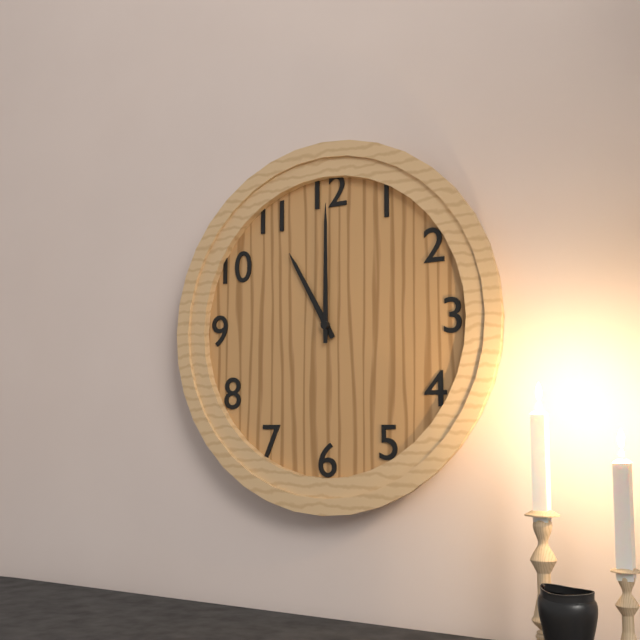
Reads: 11 h 00 min
